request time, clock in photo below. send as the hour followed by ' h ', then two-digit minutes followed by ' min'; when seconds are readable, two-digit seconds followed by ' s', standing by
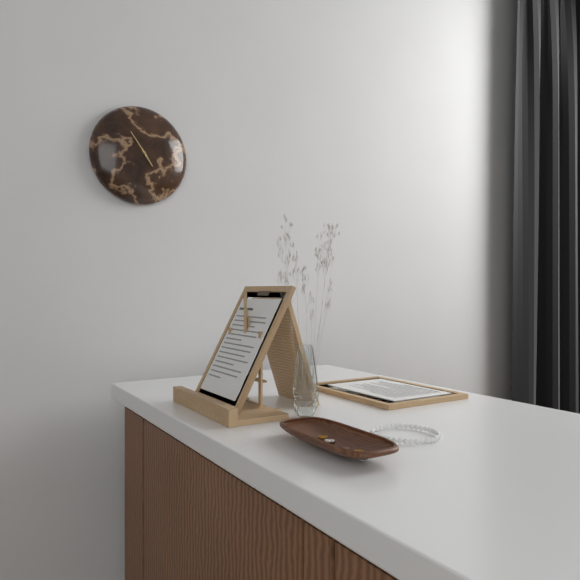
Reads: 4 h 54 min
